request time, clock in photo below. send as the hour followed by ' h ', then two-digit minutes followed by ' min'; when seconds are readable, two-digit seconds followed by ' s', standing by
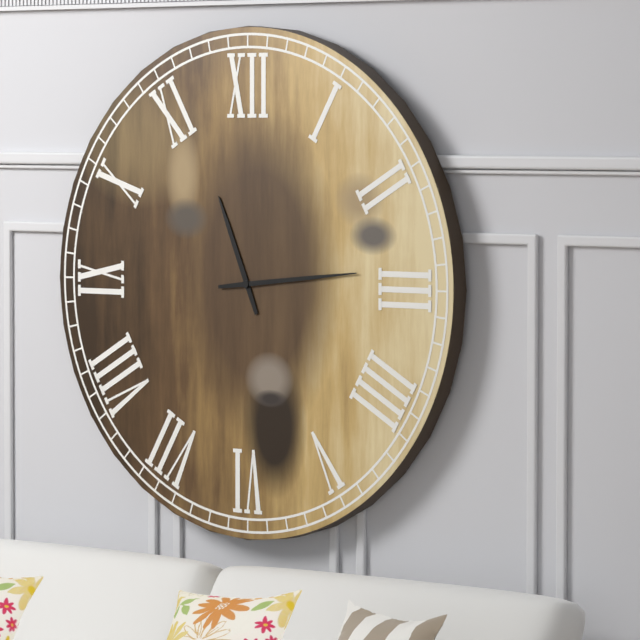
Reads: 11 h 14 min
